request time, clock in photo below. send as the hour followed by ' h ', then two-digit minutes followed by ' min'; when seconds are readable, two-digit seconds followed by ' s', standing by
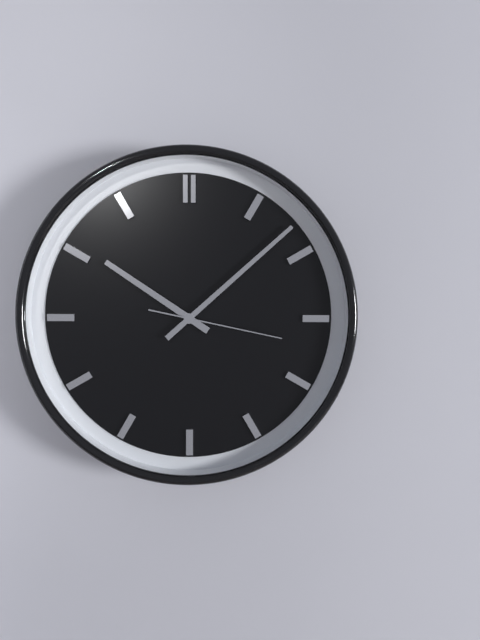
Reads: 10 h 08 min 17 s
